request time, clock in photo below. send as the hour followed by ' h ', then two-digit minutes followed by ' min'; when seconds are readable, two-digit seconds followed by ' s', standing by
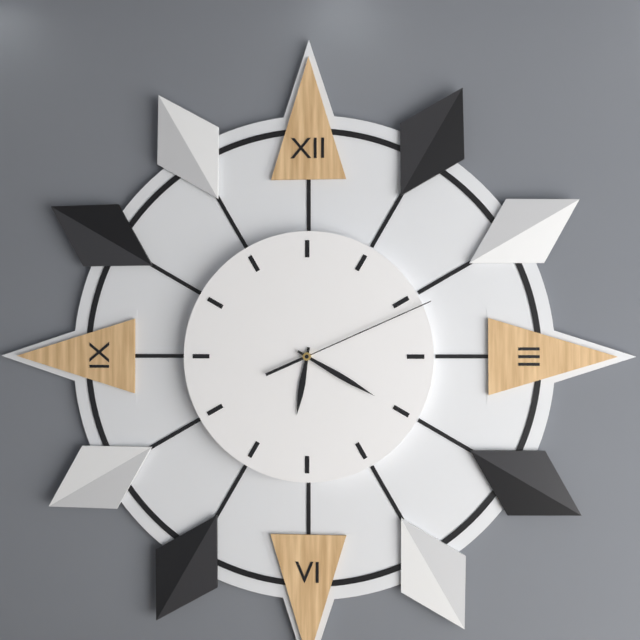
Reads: 6 h 20 min 11 s
